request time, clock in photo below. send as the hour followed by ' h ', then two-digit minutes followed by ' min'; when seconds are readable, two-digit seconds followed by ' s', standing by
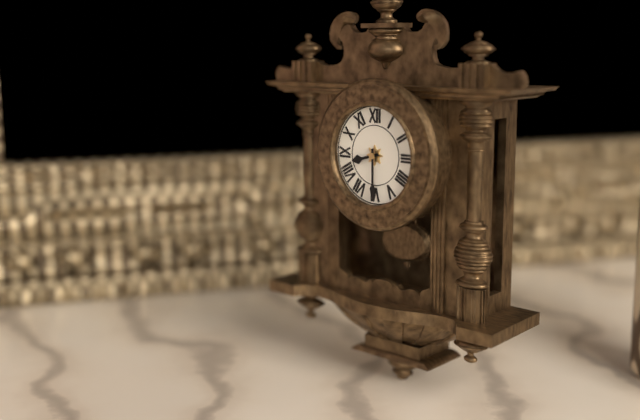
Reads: 8 h 30 min
